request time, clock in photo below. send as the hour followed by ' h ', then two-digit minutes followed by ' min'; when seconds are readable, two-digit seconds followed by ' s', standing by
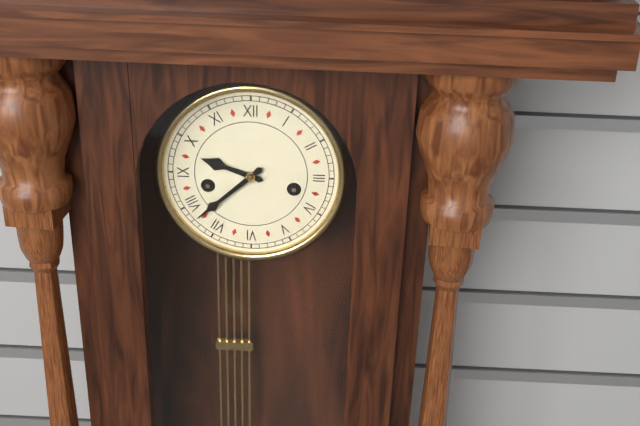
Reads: 9 h 38 min
